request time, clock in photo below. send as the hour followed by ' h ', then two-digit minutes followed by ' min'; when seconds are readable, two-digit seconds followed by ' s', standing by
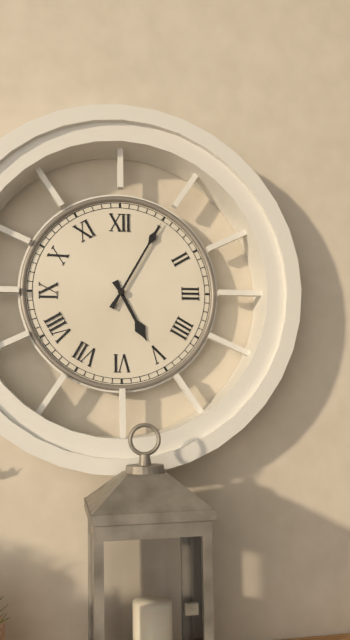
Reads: 5 h 05 min
